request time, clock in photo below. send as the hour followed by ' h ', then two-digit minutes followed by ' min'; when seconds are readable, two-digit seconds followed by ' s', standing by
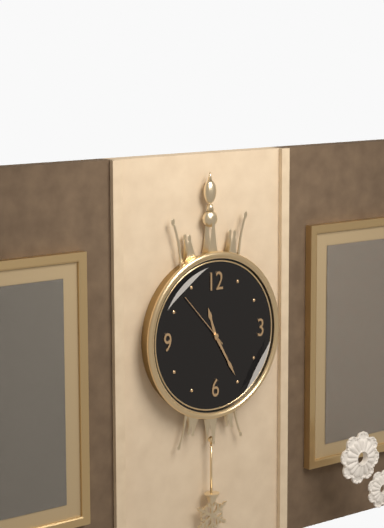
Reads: 11 h 25 min 53 s
